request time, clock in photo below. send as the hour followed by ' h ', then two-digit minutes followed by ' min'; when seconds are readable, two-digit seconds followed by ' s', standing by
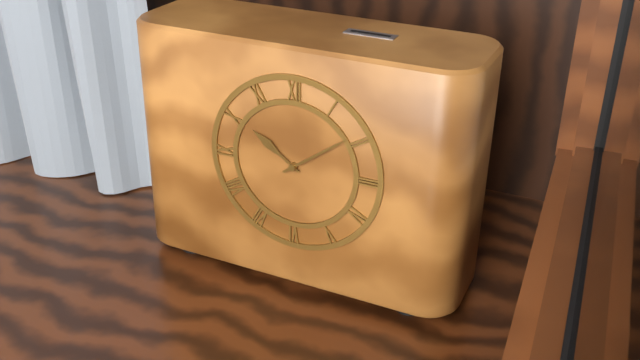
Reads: 10 h 09 min
